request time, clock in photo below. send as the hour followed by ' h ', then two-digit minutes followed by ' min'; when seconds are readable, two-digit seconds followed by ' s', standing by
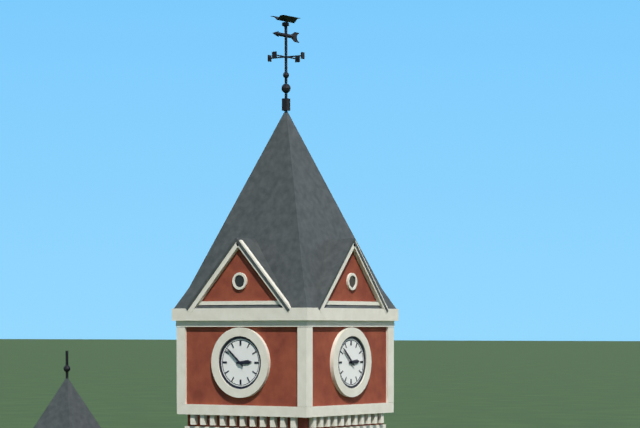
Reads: 2 h 52 min
